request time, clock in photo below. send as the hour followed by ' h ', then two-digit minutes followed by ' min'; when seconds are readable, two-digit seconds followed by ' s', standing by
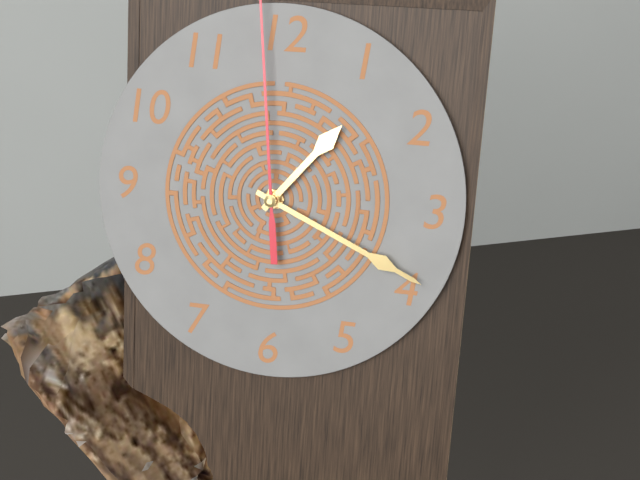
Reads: 1 h 19 min
